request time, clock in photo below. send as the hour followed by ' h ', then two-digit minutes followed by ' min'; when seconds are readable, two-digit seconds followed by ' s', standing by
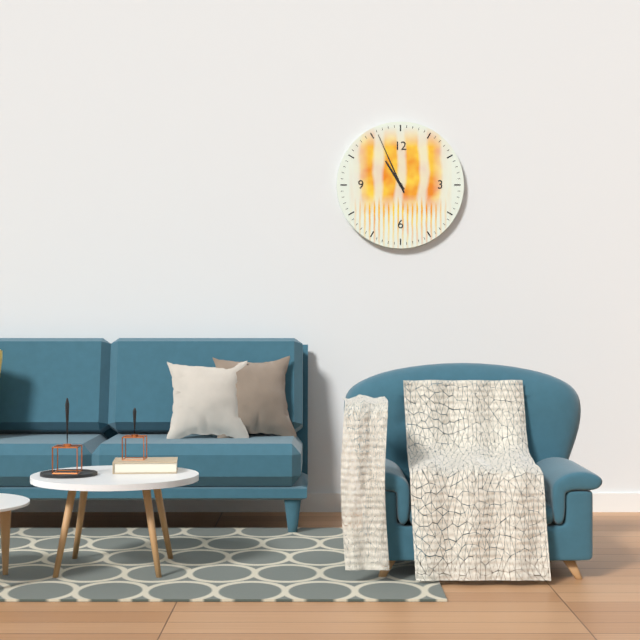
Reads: 10 h 56 min
